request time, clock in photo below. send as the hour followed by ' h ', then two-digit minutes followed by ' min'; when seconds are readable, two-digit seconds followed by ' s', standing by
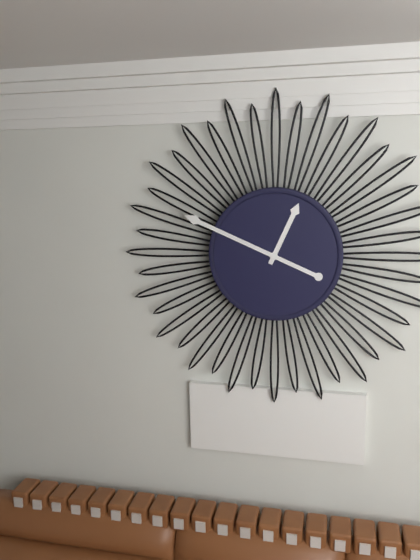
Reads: 12 h 49 min
